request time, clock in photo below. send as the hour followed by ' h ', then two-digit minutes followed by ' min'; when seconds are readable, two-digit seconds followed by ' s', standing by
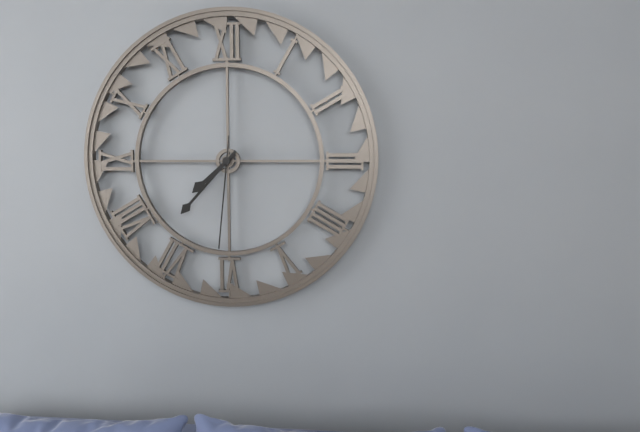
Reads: 7 h 37 min 31 s
